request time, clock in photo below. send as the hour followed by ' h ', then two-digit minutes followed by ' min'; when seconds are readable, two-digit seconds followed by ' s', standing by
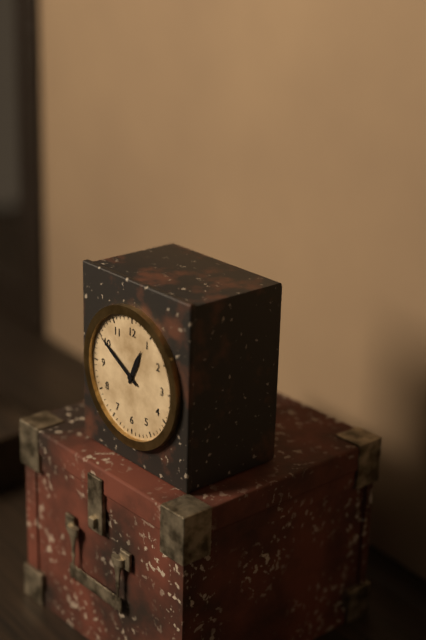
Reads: 12 h 50 min
